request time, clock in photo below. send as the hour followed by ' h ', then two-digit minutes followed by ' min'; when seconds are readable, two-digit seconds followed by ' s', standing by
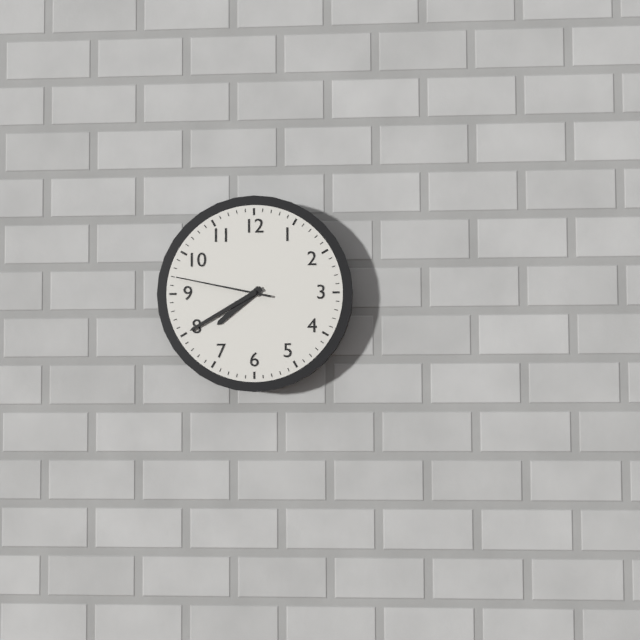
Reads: 7 h 40 min 47 s
